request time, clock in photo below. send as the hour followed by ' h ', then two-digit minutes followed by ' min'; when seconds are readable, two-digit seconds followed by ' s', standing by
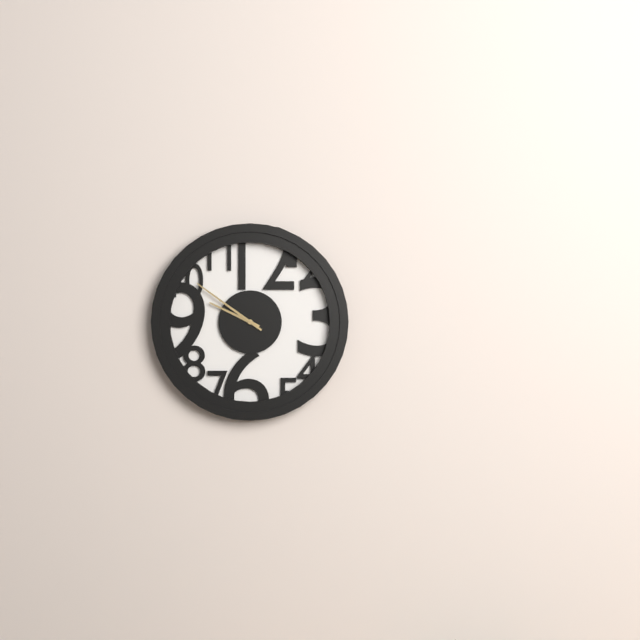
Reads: 9 h 51 min
